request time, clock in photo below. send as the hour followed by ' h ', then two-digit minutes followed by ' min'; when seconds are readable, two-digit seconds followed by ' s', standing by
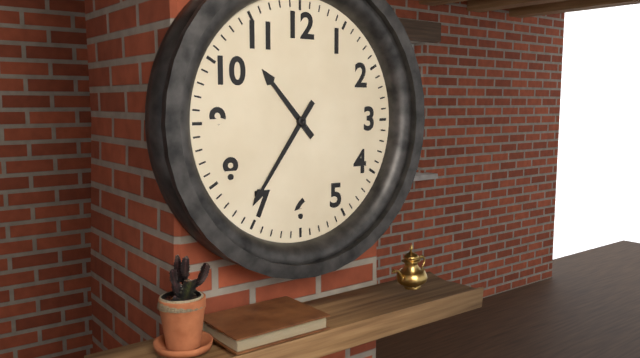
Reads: 10 h 36 min
